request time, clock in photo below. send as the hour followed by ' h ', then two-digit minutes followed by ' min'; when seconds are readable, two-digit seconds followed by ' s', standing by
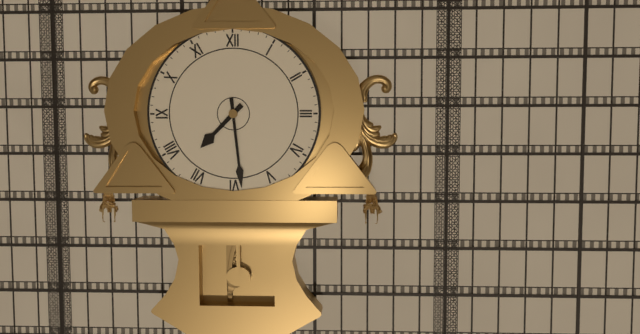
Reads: 7 h 29 min
